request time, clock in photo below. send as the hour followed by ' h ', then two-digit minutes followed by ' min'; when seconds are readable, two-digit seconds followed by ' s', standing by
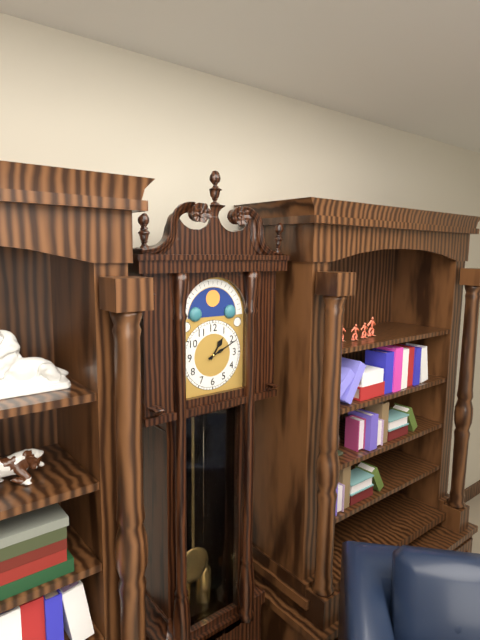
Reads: 1 h 11 min
